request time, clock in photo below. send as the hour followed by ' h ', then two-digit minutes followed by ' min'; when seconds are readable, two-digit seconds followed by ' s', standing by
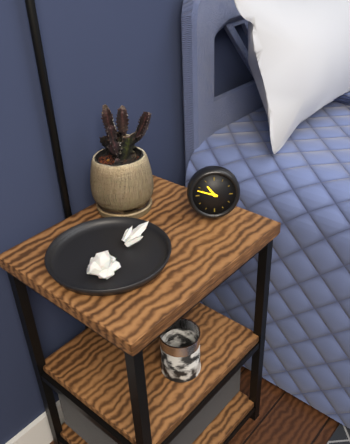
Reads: 10 h 48 min
